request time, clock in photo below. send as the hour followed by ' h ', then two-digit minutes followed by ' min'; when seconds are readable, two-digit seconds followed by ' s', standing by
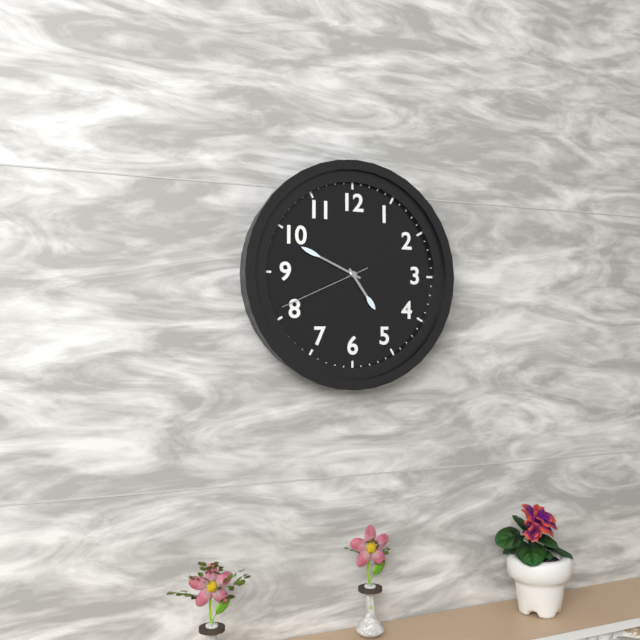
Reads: 4 h 49 min 41 s
